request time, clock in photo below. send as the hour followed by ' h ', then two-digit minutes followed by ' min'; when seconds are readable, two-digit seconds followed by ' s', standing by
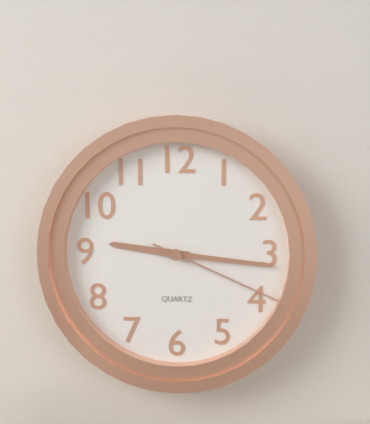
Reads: 9 h 16 min 19 s
